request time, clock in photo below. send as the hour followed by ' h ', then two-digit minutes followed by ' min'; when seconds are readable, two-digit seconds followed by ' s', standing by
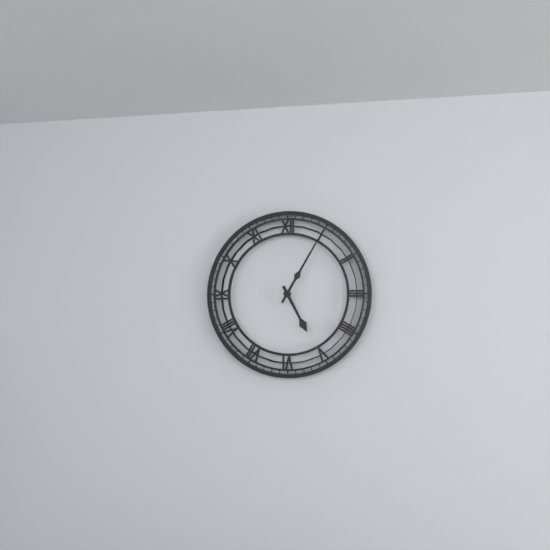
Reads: 5 h 05 min
